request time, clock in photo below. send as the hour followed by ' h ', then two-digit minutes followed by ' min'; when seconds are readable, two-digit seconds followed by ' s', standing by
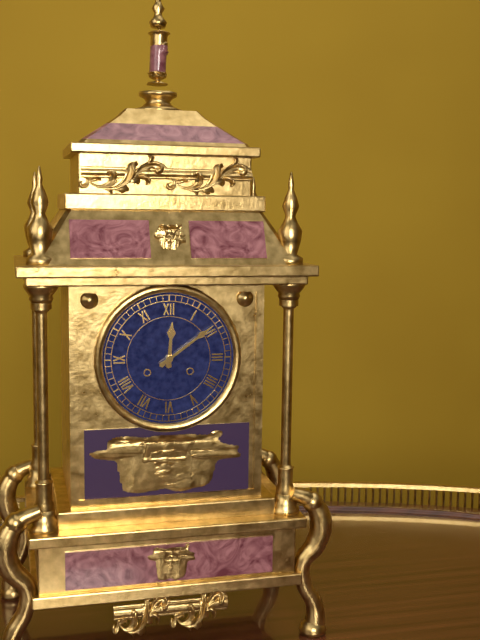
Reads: 12 h 09 min
